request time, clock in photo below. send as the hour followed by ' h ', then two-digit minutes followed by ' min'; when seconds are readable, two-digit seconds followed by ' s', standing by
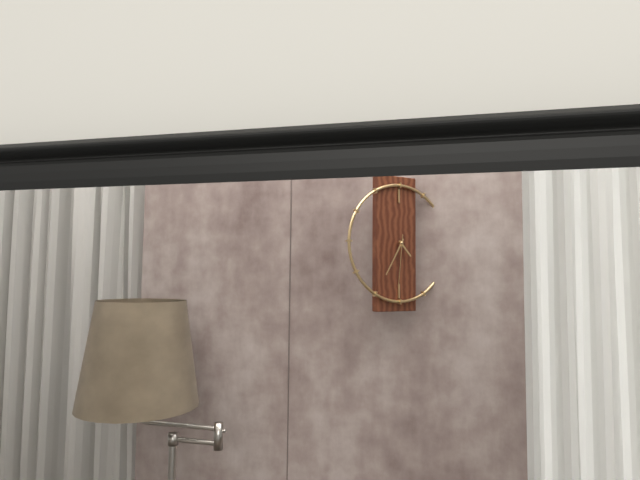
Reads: 4 h 35 min 31 s
